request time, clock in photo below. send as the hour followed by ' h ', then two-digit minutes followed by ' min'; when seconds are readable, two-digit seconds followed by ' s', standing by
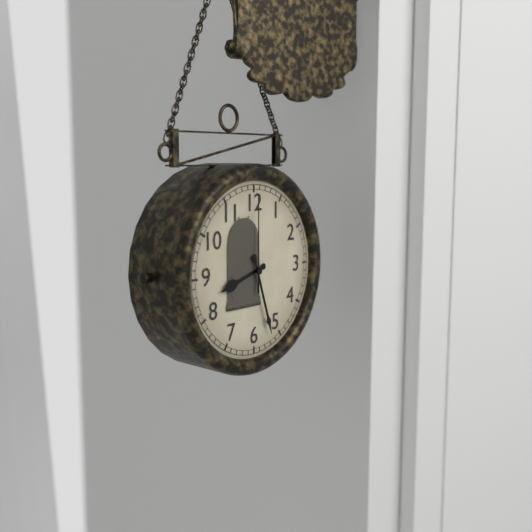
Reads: 8 h 27 min 00 s
